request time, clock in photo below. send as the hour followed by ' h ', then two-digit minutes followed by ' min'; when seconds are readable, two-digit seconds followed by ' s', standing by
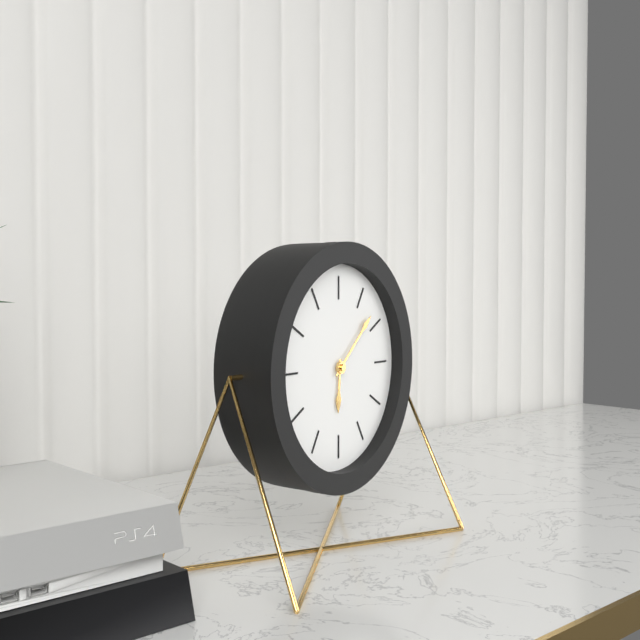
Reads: 6 h 08 min
